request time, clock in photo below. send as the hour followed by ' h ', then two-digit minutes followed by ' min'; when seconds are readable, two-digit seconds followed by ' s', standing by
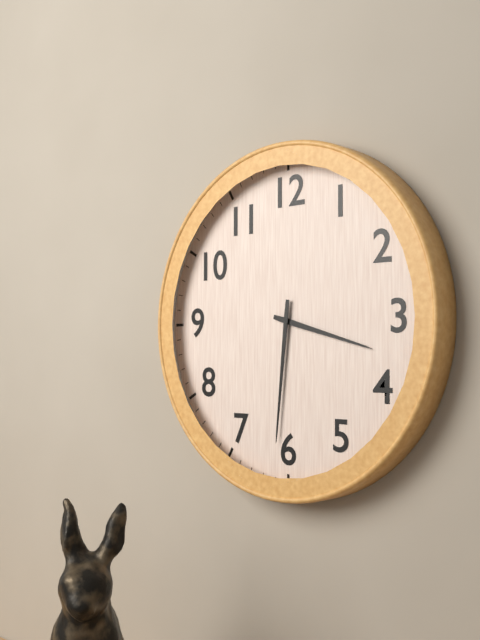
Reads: 3 h 31 min
